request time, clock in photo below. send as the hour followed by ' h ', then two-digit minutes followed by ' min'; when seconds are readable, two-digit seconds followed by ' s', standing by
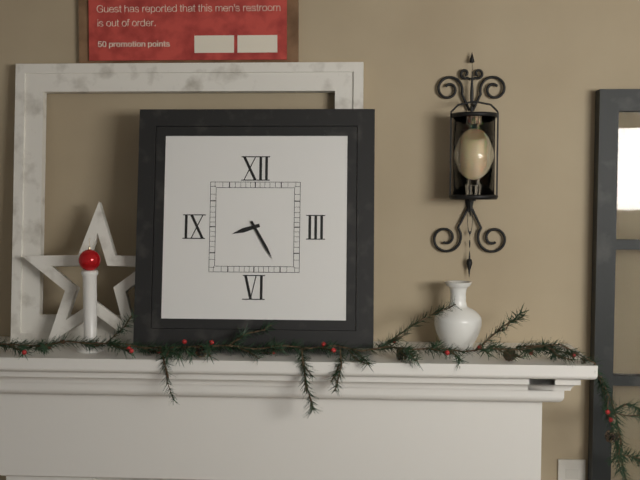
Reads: 8 h 25 min
